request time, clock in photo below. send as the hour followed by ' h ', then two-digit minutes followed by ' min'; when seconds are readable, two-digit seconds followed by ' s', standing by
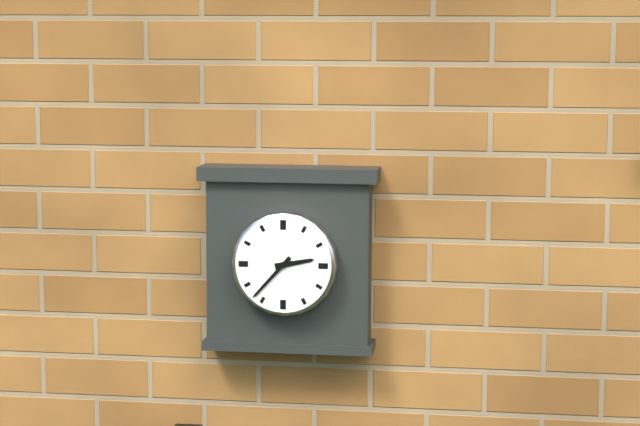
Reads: 2 h 37 min
